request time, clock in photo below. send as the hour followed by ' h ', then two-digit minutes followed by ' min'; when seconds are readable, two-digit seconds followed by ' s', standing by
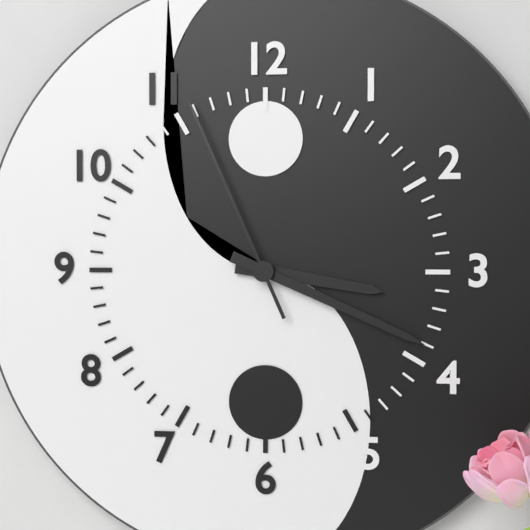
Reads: 3 h 19 min 56 s
